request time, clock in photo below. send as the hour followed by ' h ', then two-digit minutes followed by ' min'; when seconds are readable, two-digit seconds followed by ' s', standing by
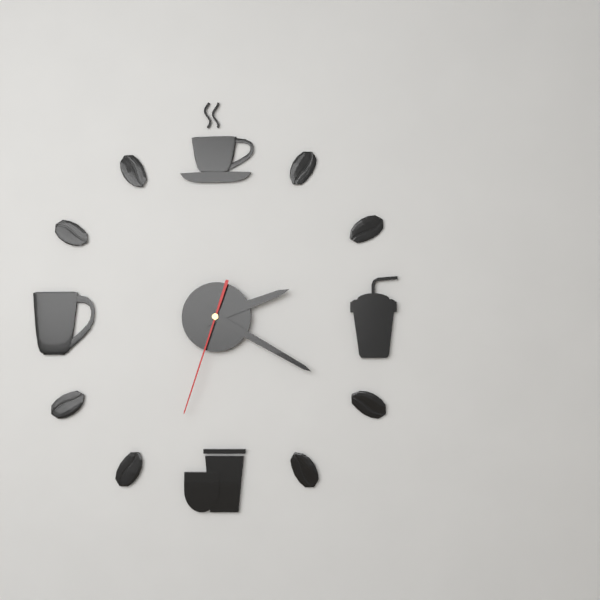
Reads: 2 h 20 min 33 s
